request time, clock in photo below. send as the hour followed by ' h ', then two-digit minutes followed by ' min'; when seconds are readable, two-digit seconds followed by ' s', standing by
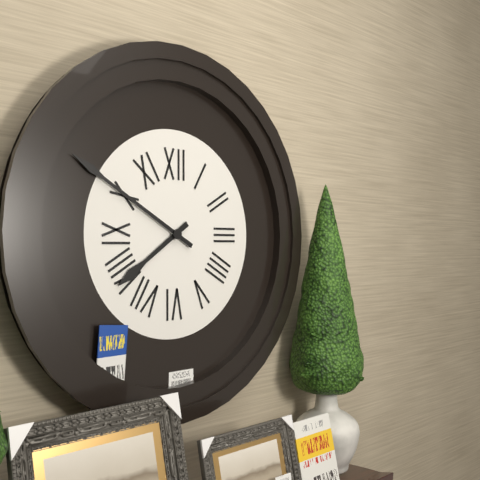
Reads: 7 h 50 min
